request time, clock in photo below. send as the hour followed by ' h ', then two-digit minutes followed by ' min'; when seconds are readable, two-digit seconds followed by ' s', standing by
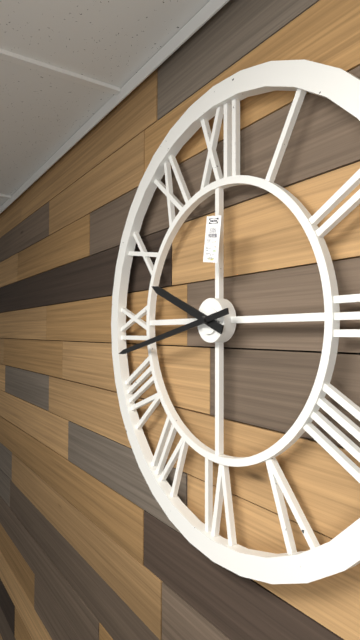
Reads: 9 h 43 min
